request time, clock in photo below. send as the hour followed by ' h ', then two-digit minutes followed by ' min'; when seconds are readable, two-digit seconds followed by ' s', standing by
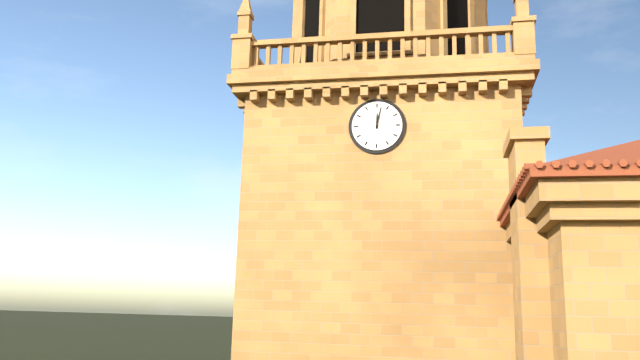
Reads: 12 h 02 min
